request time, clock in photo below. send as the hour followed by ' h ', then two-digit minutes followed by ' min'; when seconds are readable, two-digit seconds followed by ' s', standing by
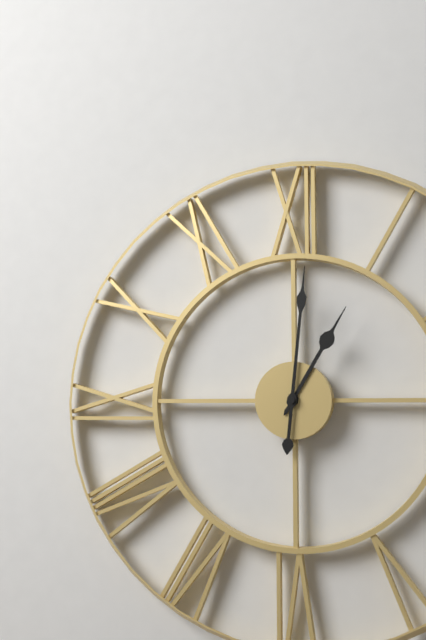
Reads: 1 h 01 min
